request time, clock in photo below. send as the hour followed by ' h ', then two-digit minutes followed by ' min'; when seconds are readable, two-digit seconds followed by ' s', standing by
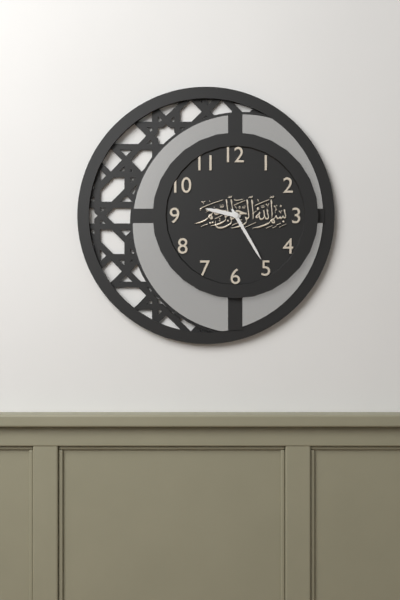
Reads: 9 h 25 min
